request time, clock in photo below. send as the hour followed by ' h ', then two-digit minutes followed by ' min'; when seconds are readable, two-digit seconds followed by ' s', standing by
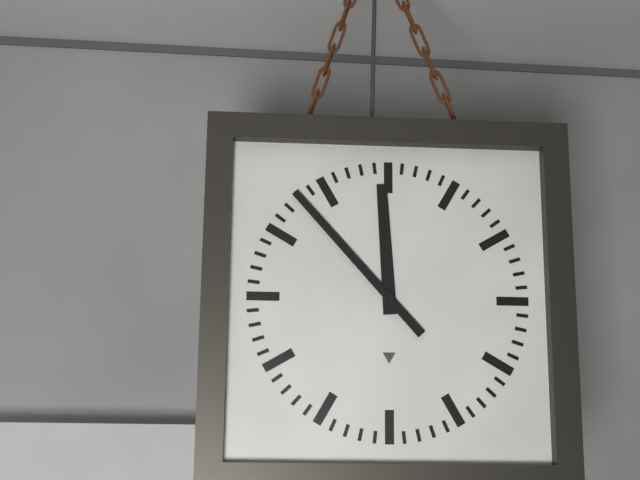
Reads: 11 h 53 min
